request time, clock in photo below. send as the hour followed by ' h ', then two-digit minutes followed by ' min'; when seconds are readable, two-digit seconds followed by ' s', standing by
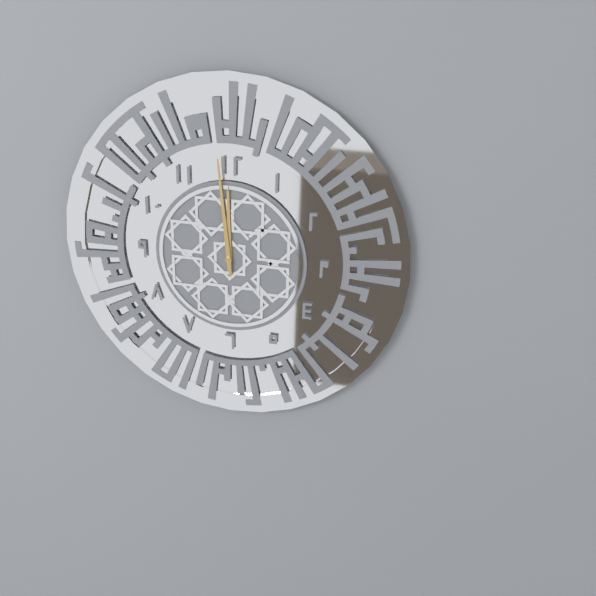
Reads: 11 h 59 min
